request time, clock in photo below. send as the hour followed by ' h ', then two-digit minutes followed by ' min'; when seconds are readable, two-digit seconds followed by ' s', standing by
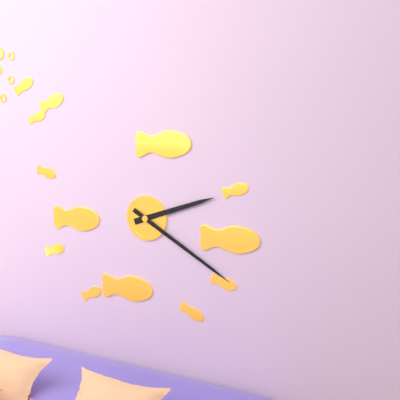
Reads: 2 h 20 min
